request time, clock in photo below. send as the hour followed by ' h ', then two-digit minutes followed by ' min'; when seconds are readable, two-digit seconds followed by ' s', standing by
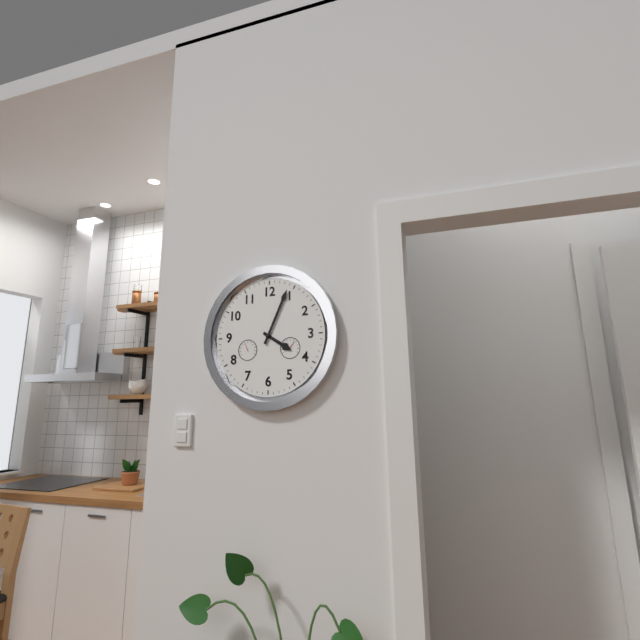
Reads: 4 h 04 min
